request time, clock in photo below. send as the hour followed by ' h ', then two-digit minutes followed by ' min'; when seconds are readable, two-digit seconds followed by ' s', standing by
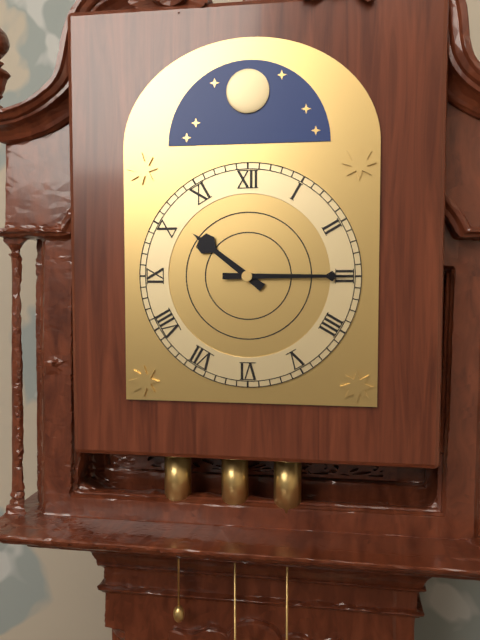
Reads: 10 h 15 min
